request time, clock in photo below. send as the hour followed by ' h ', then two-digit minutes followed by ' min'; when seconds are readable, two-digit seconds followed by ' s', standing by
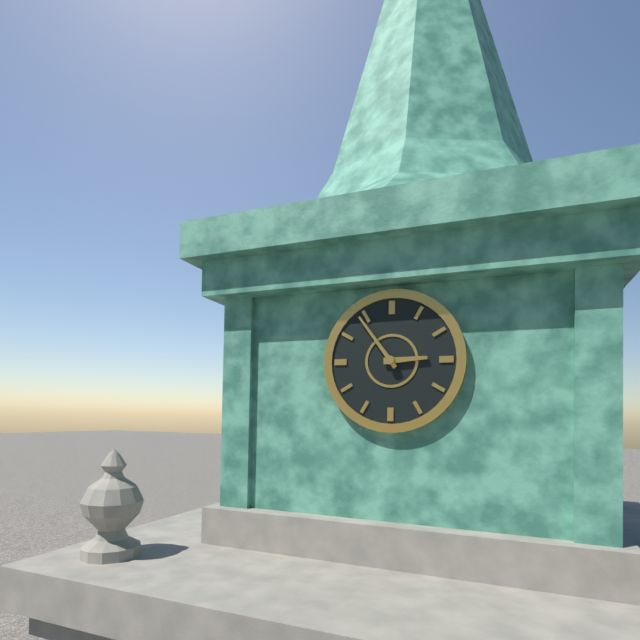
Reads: 2 h 54 min
